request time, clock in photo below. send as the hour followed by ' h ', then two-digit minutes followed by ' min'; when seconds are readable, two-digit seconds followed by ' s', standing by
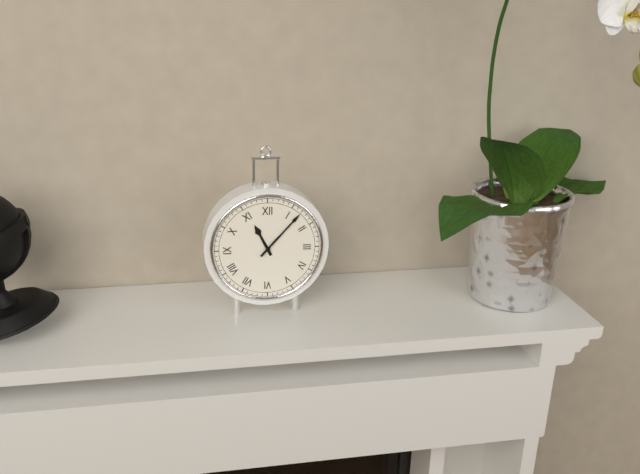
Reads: 11 h 07 min
